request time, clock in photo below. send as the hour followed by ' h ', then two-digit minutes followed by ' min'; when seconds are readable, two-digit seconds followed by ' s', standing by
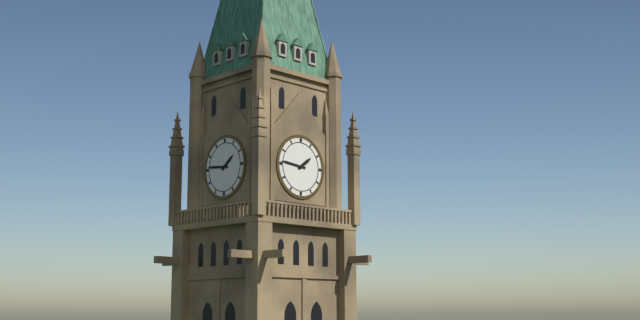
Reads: 1 h 46 min
